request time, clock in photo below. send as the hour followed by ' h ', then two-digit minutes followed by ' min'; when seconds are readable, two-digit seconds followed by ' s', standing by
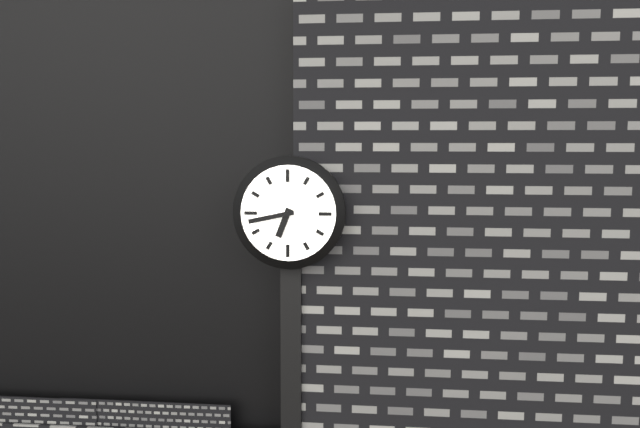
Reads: 6 h 43 min
